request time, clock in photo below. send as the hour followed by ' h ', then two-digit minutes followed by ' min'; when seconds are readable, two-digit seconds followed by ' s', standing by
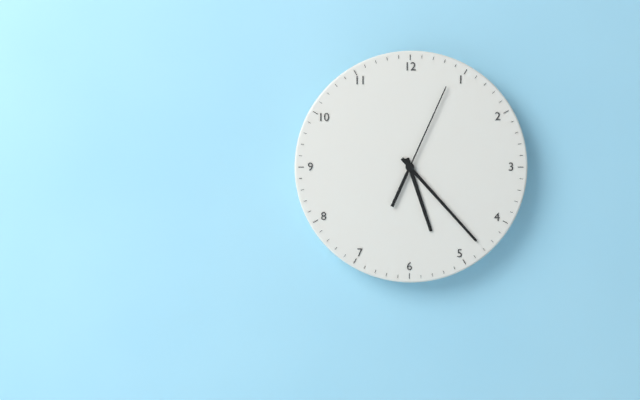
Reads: 5 h 23 min 04 s
